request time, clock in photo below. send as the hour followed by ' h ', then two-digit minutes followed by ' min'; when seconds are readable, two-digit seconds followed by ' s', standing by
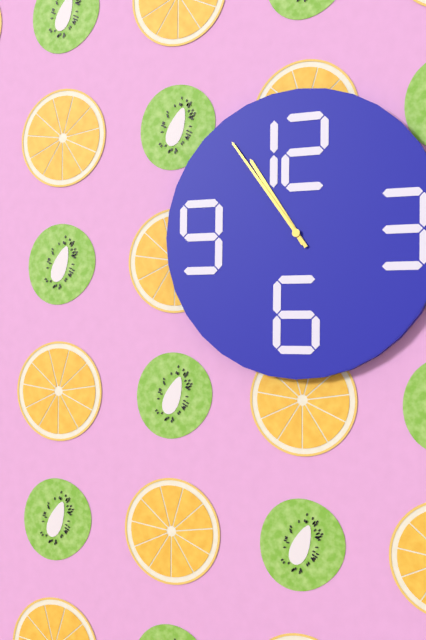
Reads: 10 h 54 min
